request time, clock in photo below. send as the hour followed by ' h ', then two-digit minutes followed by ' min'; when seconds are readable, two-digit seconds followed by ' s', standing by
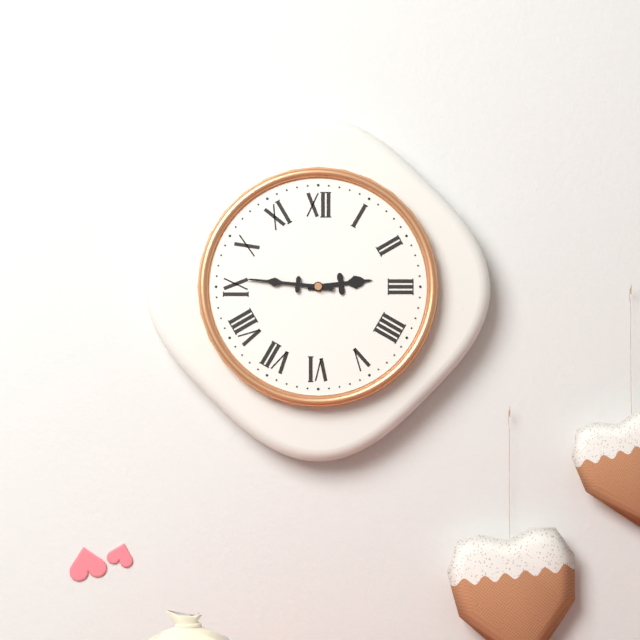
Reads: 2 h 46 min
